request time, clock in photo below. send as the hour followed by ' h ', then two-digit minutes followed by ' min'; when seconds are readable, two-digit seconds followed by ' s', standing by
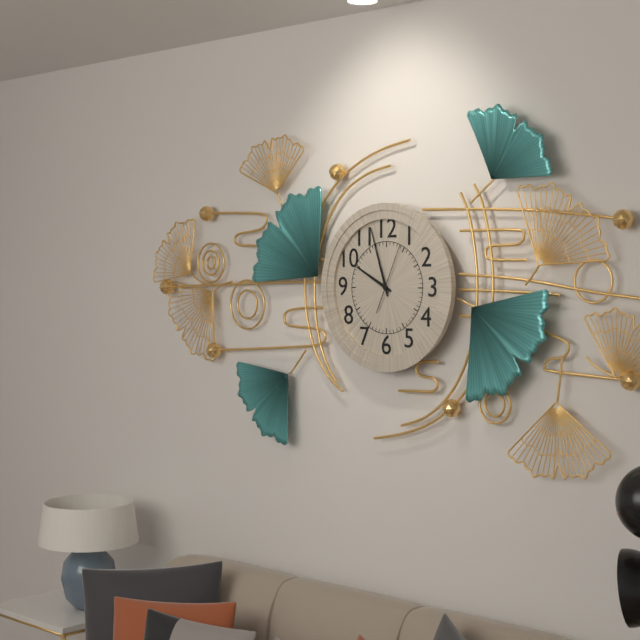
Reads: 9 h 57 min 04 s
